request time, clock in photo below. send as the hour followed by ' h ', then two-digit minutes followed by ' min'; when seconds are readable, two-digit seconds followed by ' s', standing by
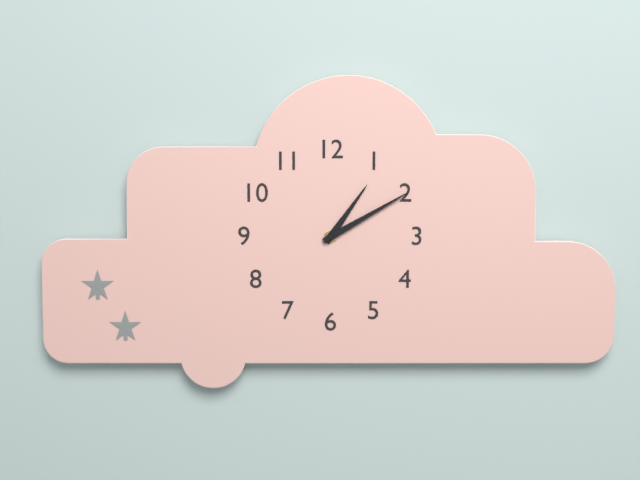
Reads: 1 h 10 min
